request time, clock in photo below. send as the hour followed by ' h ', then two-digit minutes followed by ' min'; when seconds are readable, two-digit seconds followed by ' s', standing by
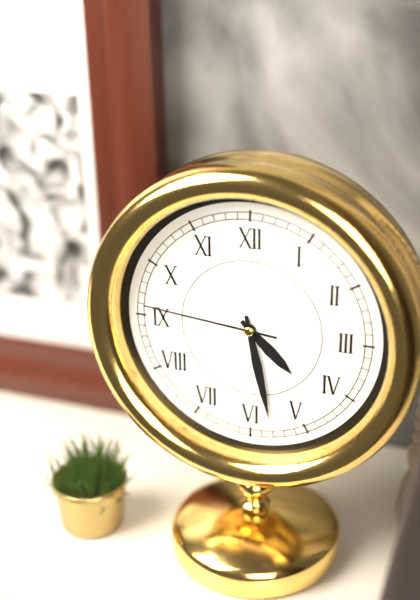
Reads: 4 h 28 min 46 s
